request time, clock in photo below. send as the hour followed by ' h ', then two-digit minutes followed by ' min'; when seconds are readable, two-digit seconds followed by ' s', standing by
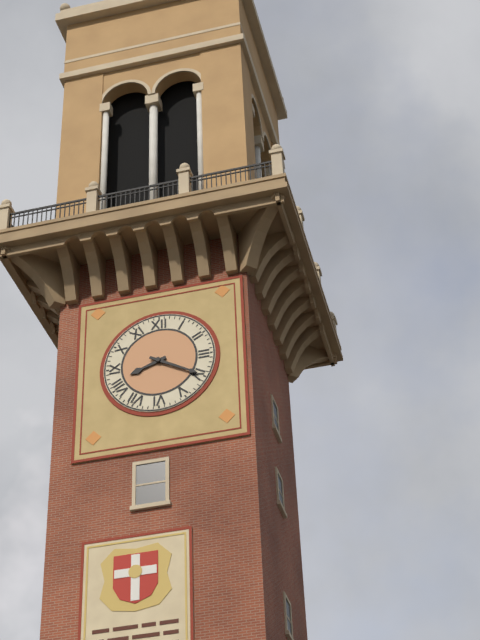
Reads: 8 h 20 min
